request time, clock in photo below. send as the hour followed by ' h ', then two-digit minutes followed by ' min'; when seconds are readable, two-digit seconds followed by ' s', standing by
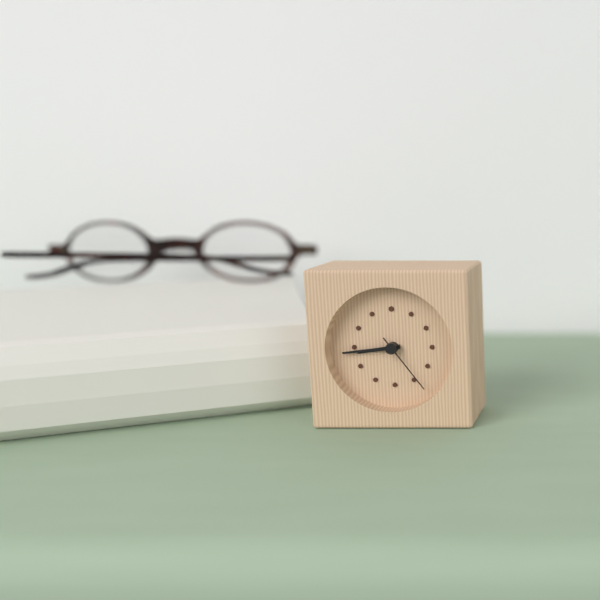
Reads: 8 h 44 min 24 s
